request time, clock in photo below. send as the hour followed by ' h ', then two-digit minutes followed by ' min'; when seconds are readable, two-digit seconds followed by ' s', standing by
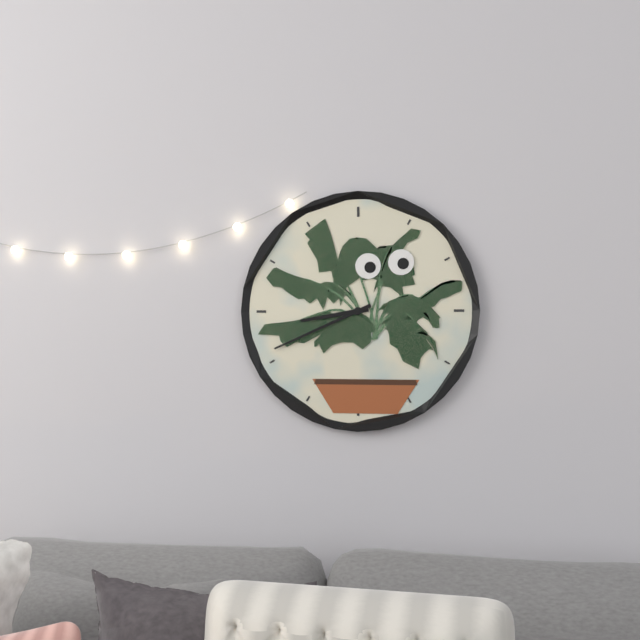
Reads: 8 h 41 min
